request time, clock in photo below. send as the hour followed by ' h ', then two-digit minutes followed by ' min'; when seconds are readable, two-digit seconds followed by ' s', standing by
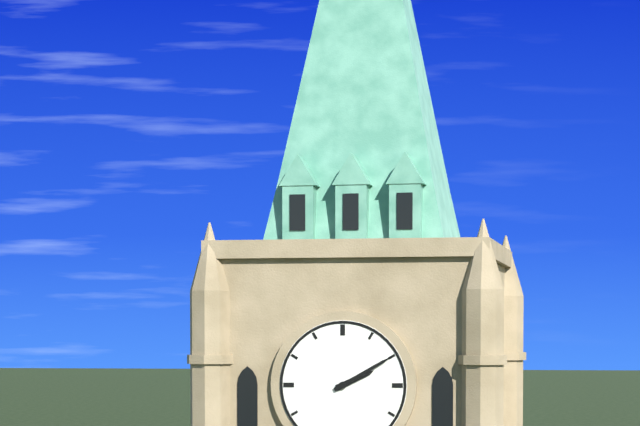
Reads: 2 h 10 min
